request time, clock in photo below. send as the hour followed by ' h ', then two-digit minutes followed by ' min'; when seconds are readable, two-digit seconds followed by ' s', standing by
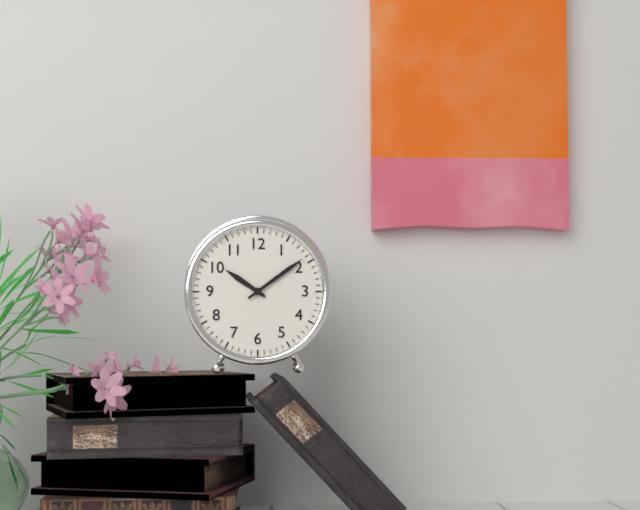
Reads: 10 h 09 min
